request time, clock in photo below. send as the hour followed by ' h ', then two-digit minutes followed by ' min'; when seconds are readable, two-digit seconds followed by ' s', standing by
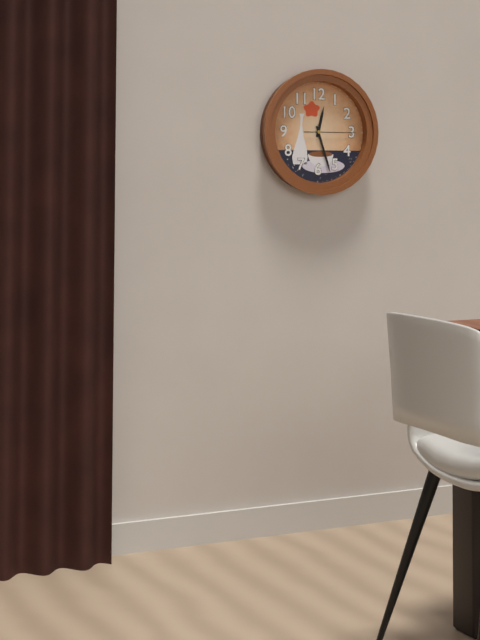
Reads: 12 h 27 min
